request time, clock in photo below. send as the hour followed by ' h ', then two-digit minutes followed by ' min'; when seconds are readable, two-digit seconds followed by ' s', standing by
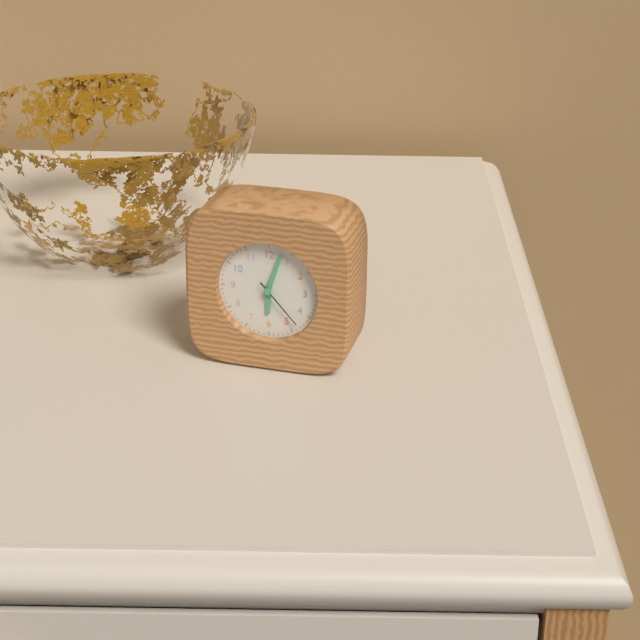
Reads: 6 h 03 min 23 s
